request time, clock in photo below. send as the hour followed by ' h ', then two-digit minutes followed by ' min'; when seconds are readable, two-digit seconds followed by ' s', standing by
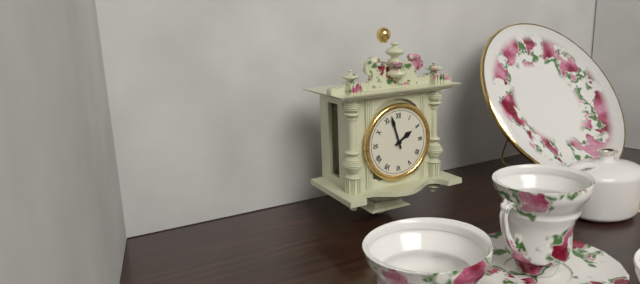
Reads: 1 h 57 min
